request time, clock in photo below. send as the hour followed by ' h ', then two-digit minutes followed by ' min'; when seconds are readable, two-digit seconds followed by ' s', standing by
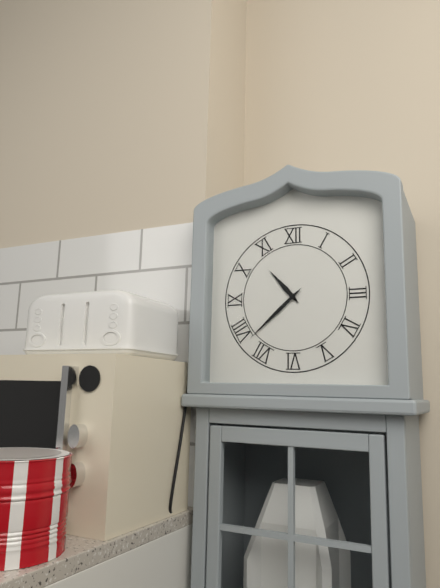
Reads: 10 h 38 min
